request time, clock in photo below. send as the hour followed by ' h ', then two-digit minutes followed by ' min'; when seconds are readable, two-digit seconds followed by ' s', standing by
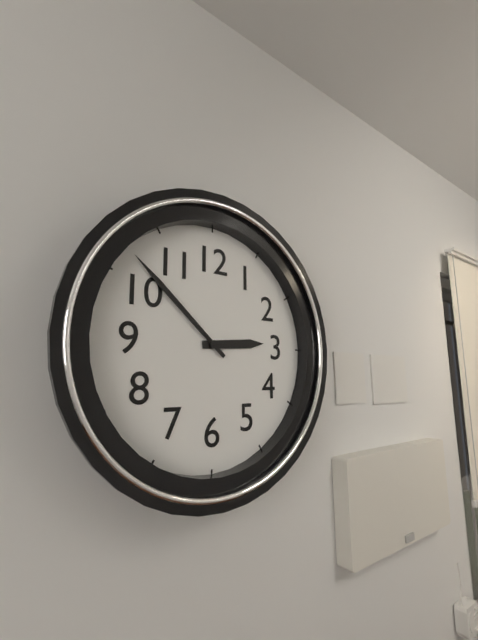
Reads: 2 h 52 min
